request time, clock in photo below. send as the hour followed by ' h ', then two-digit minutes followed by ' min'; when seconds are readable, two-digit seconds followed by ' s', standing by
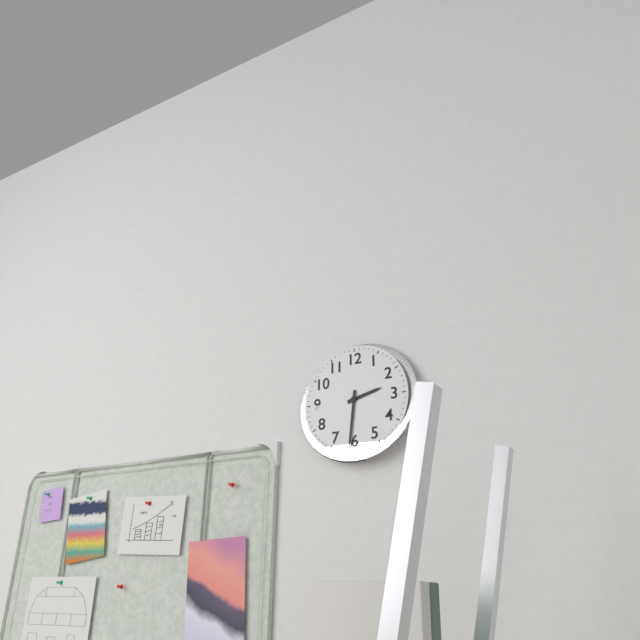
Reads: 2 h 31 min
